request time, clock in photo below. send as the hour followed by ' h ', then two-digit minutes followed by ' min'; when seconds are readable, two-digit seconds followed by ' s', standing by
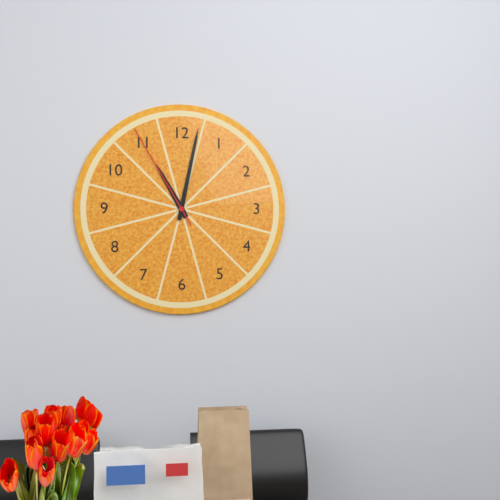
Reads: 11 h 02 min 55 s
